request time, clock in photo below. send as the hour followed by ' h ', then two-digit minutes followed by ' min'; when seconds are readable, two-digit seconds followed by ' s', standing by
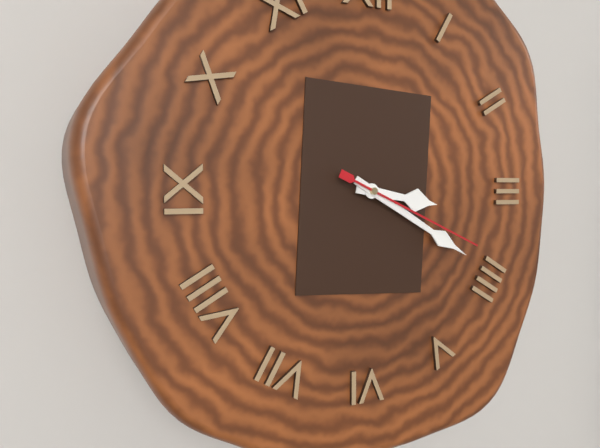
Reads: 3 h 20 min 19 s
